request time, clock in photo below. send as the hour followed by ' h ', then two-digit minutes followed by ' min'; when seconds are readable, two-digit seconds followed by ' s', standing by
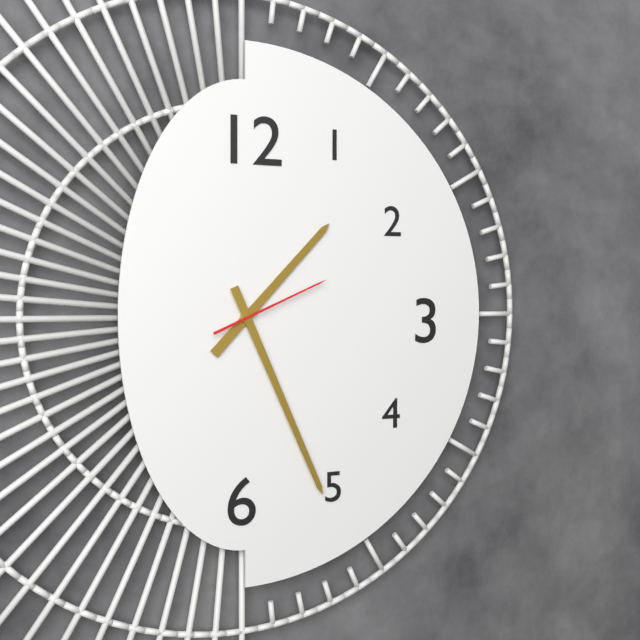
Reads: 1 h 26 min 11 s
